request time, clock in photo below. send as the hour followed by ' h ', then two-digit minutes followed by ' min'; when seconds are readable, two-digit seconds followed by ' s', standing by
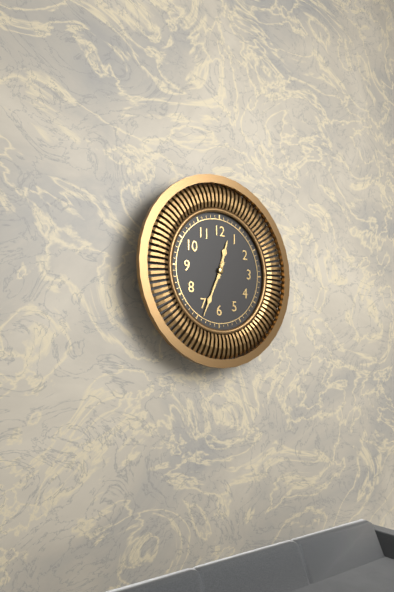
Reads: 12 h 34 min
